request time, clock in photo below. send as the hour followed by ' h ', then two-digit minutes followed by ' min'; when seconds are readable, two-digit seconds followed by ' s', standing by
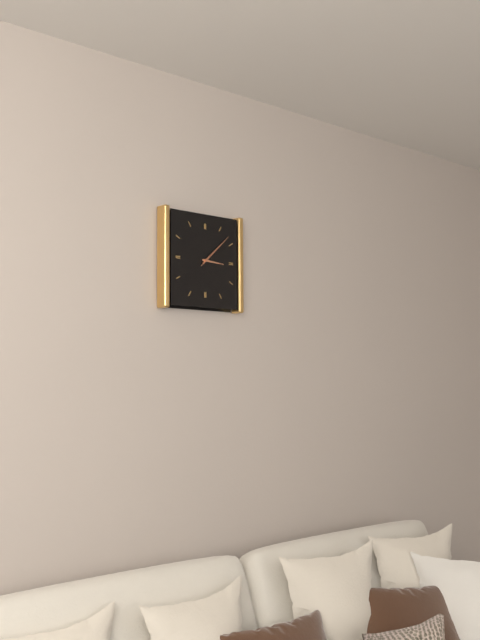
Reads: 3 h 08 min
